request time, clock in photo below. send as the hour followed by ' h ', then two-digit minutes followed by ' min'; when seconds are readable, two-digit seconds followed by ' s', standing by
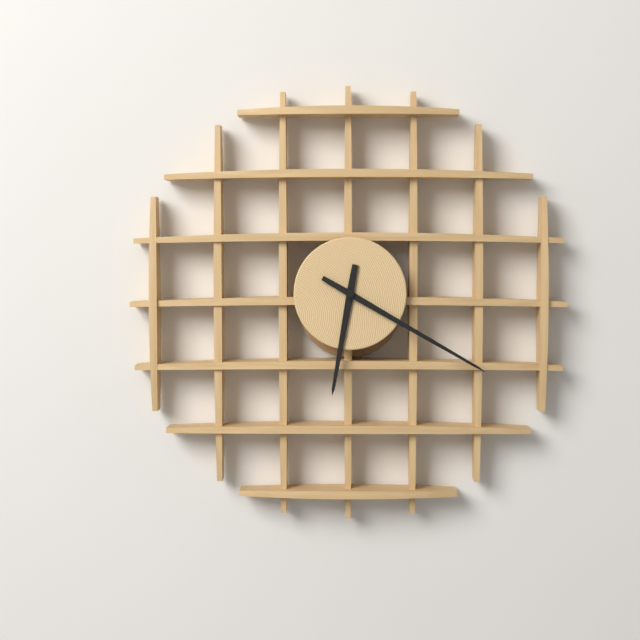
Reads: 6 h 20 min
